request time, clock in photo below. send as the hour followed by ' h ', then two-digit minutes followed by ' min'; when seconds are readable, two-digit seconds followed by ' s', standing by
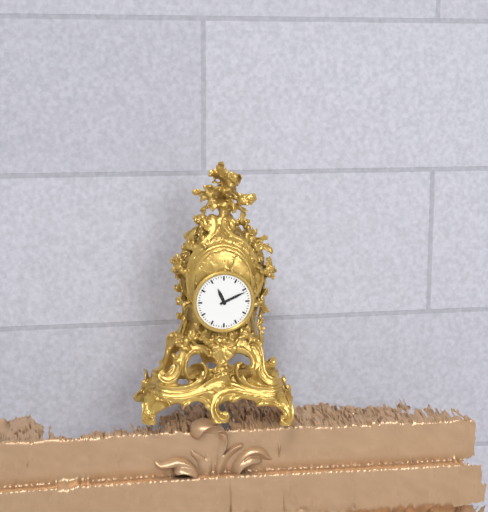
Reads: 11 h 11 min
